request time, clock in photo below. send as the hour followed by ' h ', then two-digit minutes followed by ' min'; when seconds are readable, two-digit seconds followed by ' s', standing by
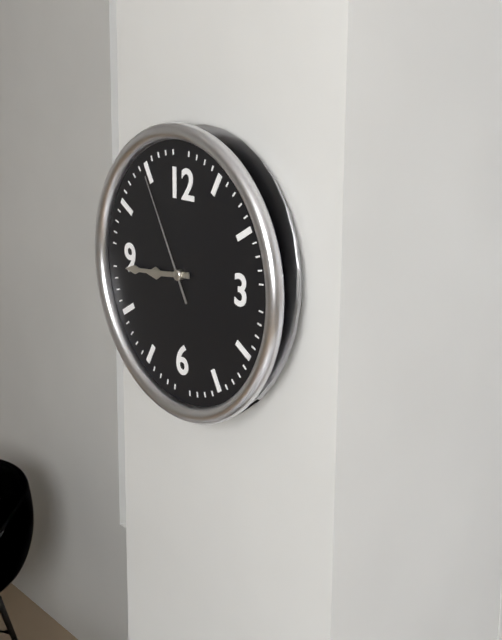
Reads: 8 h 44 min 55 s
